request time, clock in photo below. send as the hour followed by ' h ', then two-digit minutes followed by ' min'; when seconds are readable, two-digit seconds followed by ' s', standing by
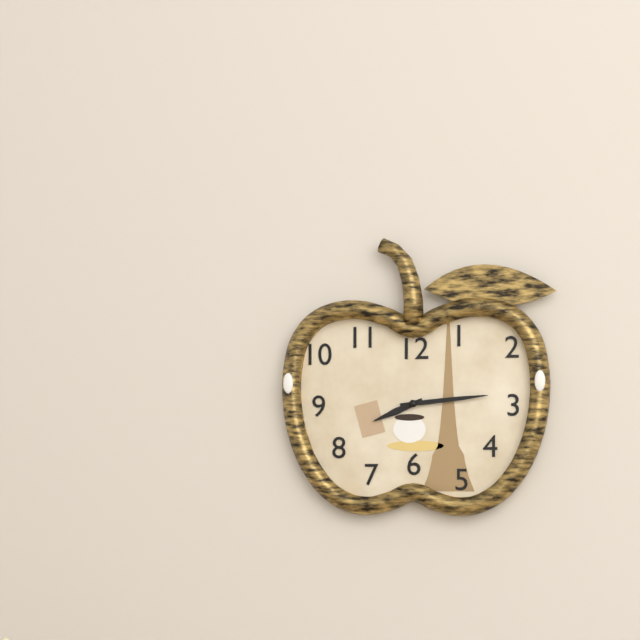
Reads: 8 h 14 min
